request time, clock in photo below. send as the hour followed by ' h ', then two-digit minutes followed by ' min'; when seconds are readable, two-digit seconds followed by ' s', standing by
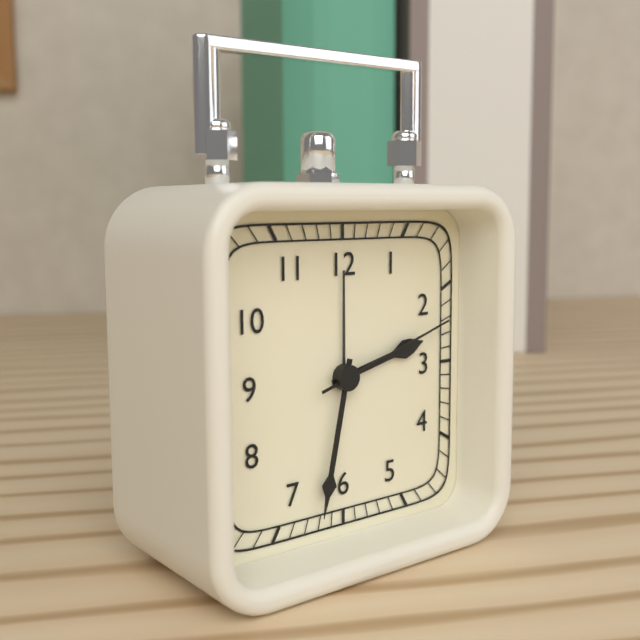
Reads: 2 h 32 min 12 s
